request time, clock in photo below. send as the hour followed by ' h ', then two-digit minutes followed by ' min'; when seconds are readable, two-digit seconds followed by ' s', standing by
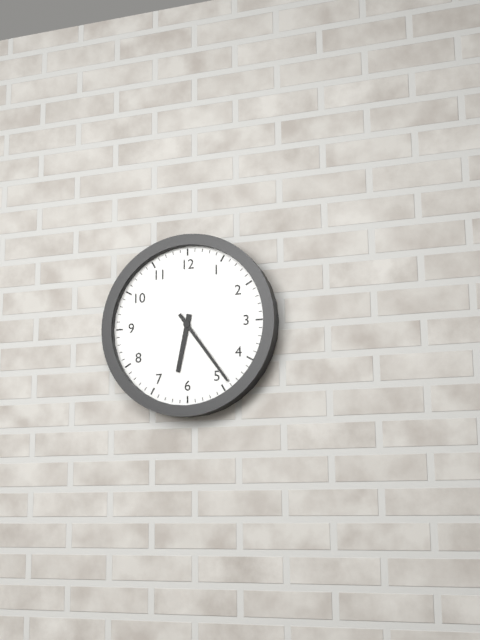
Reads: 6 h 24 min
